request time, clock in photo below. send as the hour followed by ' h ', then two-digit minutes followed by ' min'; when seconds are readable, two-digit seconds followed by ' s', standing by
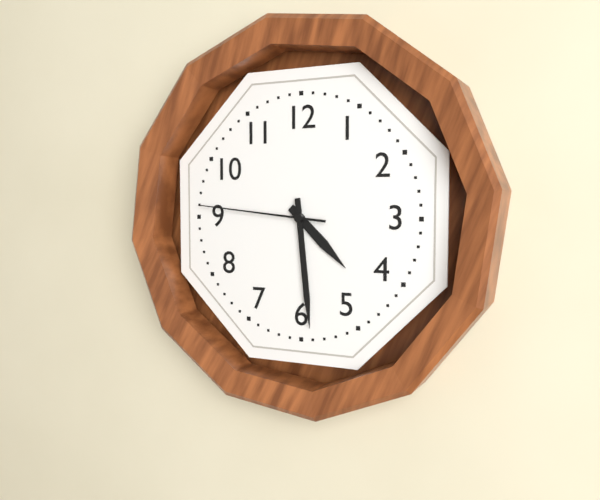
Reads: 4 h 29 min 46 s
